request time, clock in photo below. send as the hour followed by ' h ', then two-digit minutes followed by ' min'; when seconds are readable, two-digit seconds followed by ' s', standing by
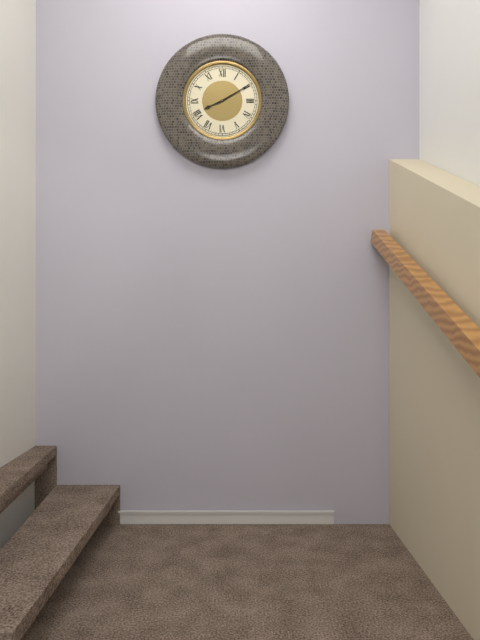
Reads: 8 h 10 min
